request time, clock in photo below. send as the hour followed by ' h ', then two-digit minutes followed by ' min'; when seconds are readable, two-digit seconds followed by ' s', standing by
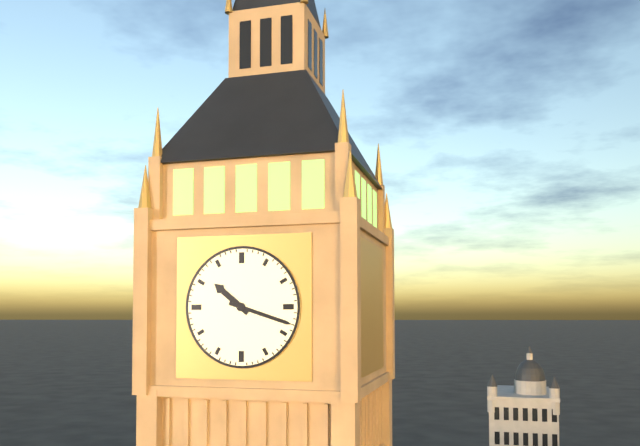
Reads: 10 h 18 min
